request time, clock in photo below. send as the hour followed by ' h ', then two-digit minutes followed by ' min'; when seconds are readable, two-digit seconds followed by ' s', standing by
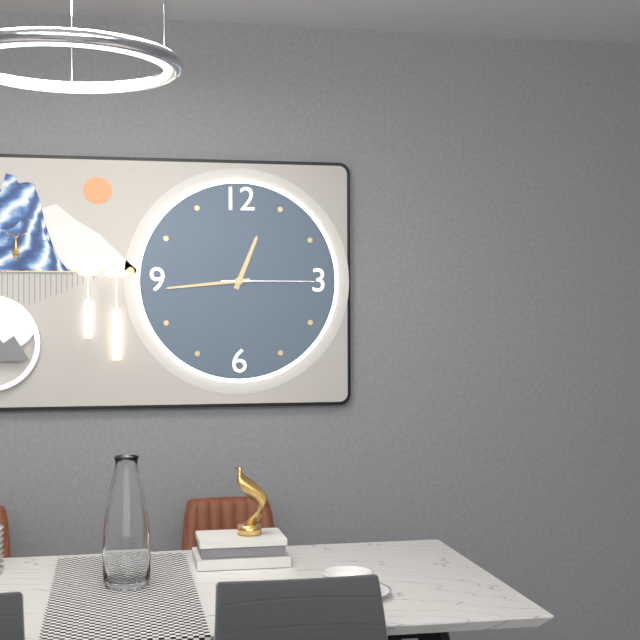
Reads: 12 h 44 min 15 s
